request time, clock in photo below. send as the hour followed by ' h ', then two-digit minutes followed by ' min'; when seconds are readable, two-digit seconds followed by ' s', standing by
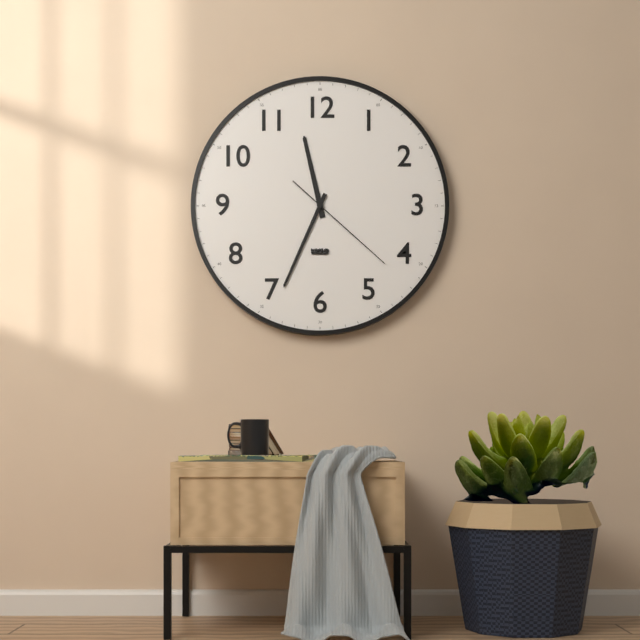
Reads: 11 h 34 min 22 s
